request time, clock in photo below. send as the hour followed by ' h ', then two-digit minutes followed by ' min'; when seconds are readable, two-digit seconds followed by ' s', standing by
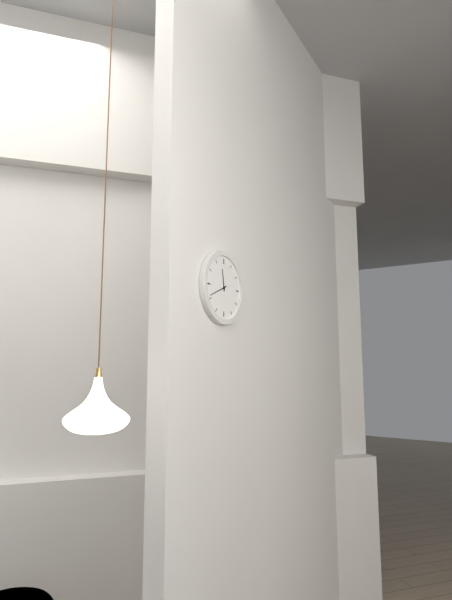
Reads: 11 h 41 min
